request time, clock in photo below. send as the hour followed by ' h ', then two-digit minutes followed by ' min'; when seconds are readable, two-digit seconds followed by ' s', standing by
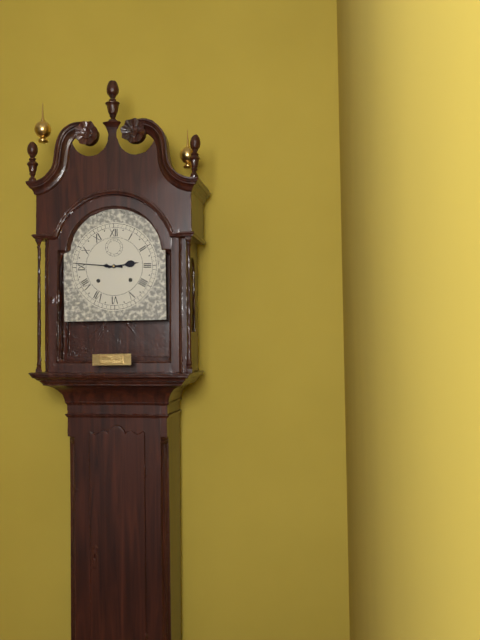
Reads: 2 h 46 min
